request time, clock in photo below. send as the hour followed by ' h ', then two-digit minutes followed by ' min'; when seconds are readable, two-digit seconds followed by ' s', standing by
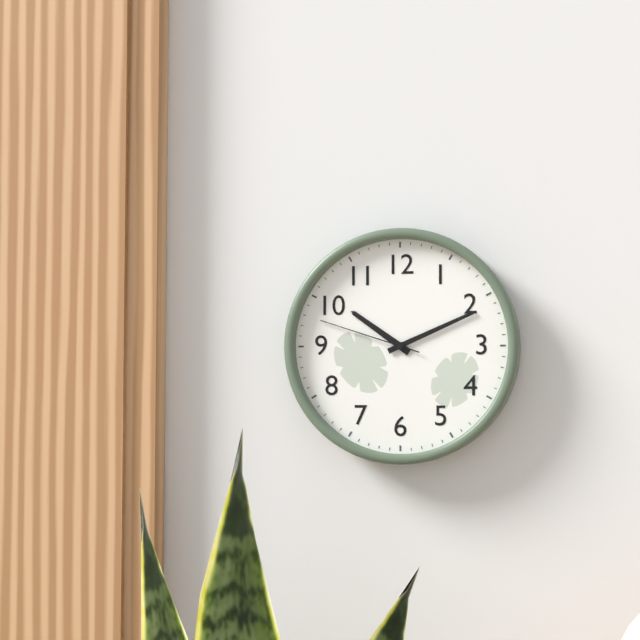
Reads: 10 h 11 min 48 s
